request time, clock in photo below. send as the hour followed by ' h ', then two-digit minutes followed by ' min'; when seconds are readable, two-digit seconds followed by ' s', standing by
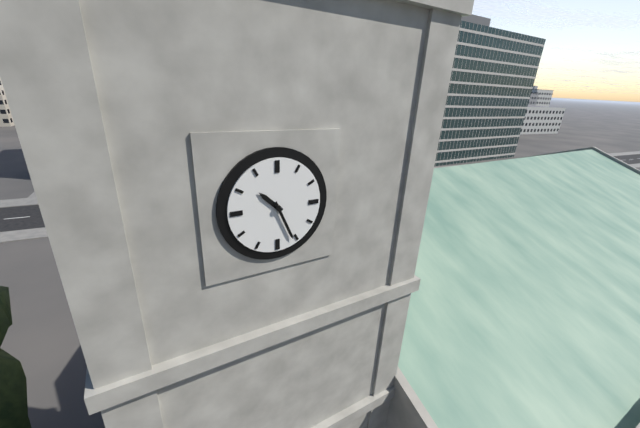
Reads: 10 h 26 min
